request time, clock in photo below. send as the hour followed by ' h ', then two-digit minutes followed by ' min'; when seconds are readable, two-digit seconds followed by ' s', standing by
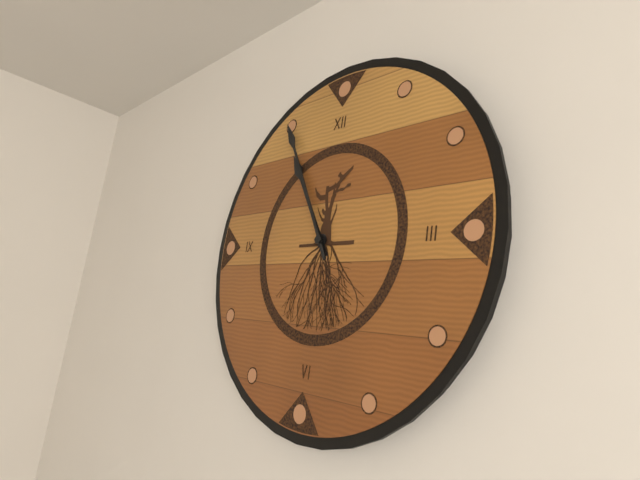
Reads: 10 h 55 min
